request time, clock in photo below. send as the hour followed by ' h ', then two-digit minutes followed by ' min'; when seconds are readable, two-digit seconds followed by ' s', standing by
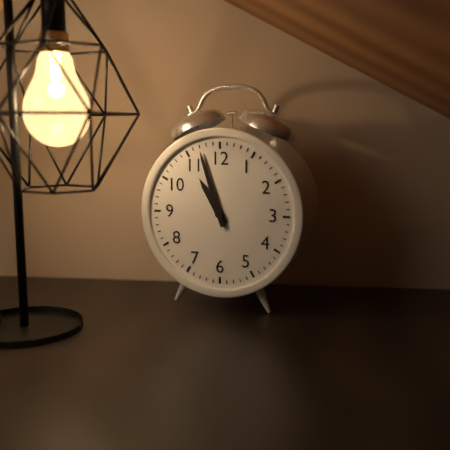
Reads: 10 h 57 min
